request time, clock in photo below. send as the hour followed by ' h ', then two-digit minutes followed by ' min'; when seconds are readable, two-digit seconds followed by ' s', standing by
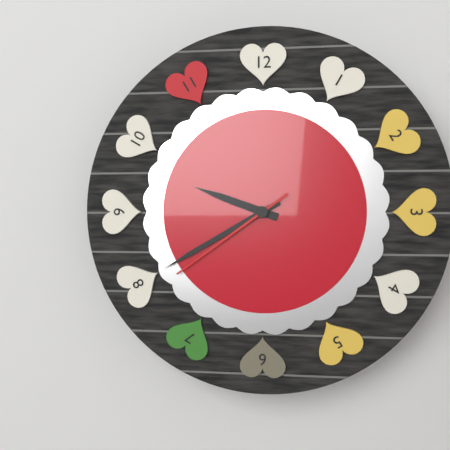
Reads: 9 h 40 min 39 s
